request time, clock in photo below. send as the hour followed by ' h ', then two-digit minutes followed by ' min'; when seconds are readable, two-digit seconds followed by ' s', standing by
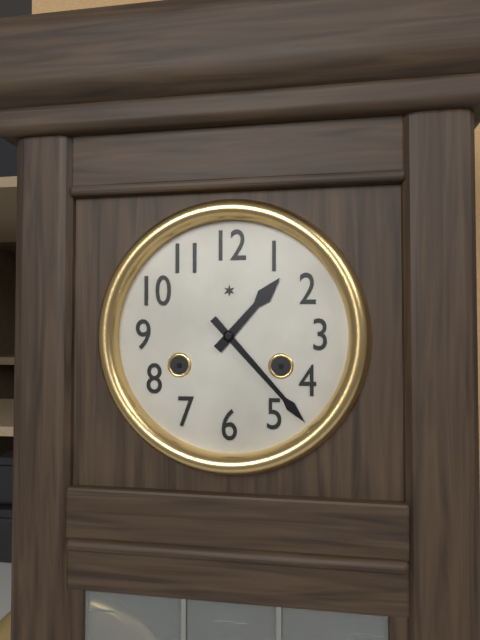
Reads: 1 h 23 min
